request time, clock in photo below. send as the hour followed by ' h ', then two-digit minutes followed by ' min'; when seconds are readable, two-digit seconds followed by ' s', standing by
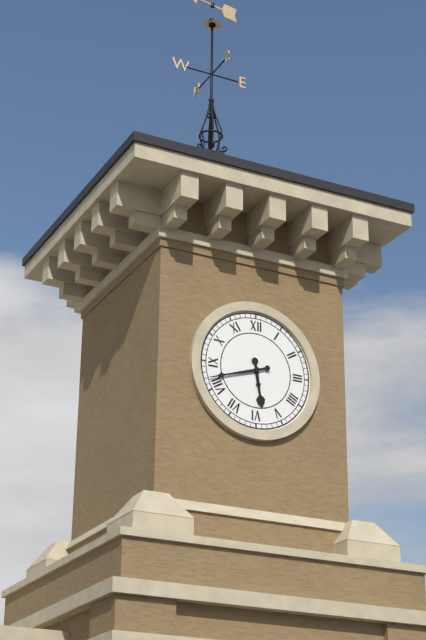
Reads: 5 h 42 min
